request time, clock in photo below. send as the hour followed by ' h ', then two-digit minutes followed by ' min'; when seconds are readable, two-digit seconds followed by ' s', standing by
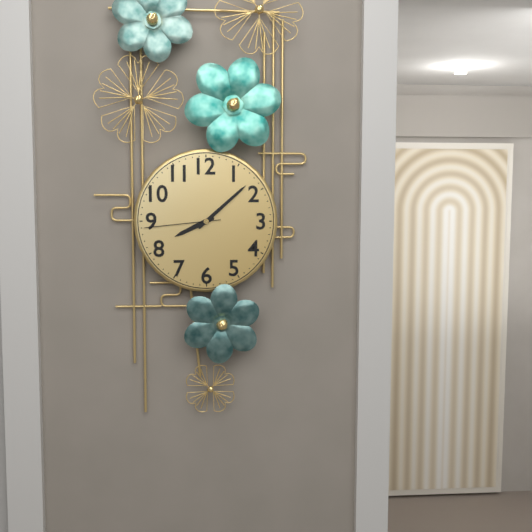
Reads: 8 h 08 min 44 s
